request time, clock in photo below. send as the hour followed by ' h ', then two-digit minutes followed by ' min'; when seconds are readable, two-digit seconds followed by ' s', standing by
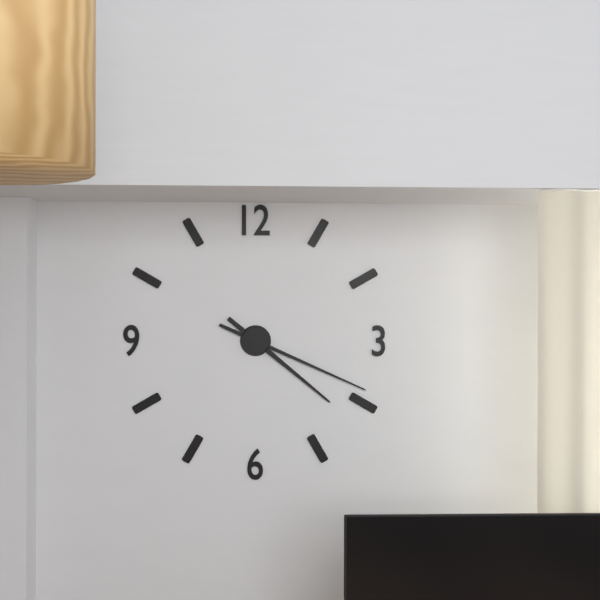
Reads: 4 h 19 min
